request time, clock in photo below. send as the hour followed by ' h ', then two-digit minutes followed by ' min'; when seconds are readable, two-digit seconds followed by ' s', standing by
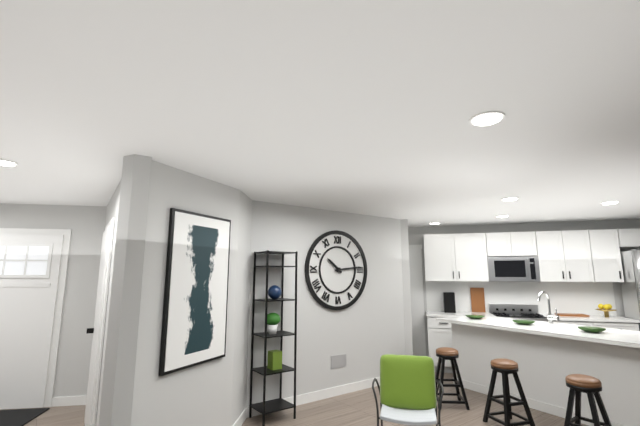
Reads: 10 h 14 min
